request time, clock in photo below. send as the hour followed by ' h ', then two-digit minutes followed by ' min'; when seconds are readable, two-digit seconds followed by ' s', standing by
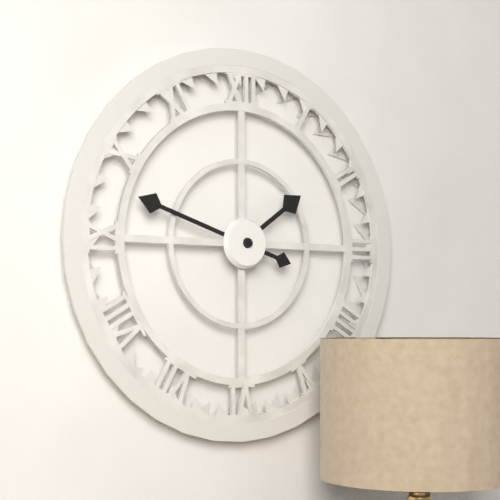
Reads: 1 h 48 min
